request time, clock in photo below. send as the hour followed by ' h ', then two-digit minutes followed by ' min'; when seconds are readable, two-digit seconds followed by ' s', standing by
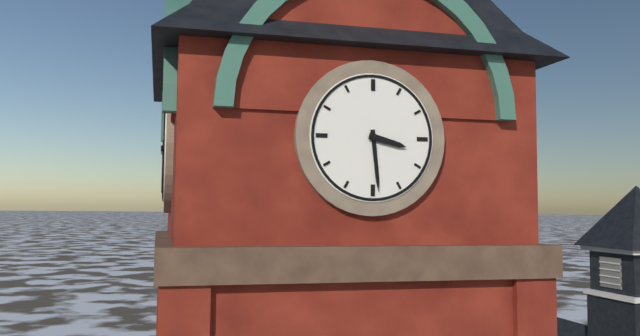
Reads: 3 h 29 min
